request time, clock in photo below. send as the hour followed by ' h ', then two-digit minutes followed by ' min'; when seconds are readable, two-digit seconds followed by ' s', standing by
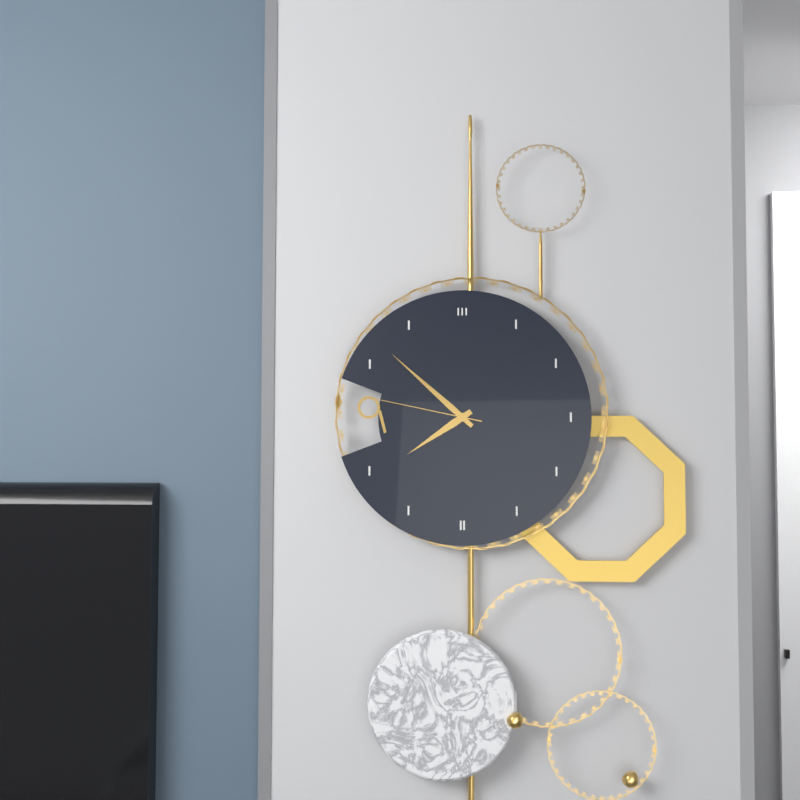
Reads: 7 h 52 min 47 s
